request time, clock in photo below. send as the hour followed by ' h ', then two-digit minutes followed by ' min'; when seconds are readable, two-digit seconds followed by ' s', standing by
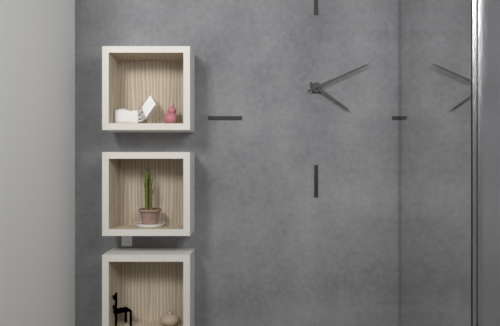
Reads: 4 h 11 min
